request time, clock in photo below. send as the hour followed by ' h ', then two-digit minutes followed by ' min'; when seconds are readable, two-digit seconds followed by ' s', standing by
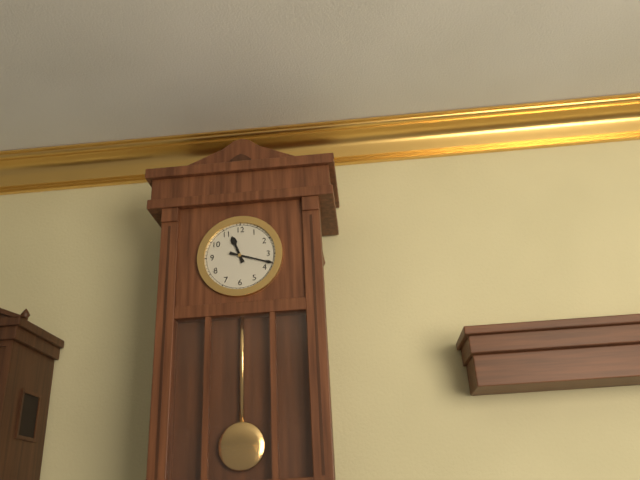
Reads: 11 h 18 min
